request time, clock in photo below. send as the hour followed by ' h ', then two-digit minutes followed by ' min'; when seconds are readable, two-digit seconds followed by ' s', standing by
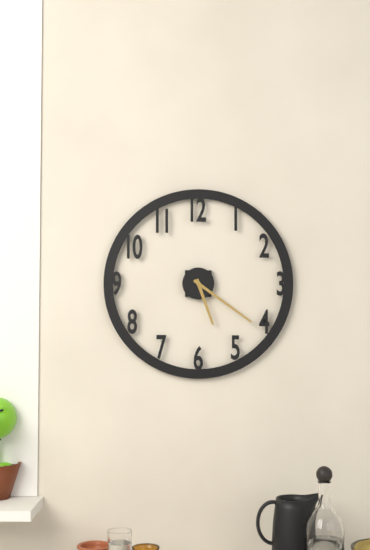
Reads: 5 h 21 min
